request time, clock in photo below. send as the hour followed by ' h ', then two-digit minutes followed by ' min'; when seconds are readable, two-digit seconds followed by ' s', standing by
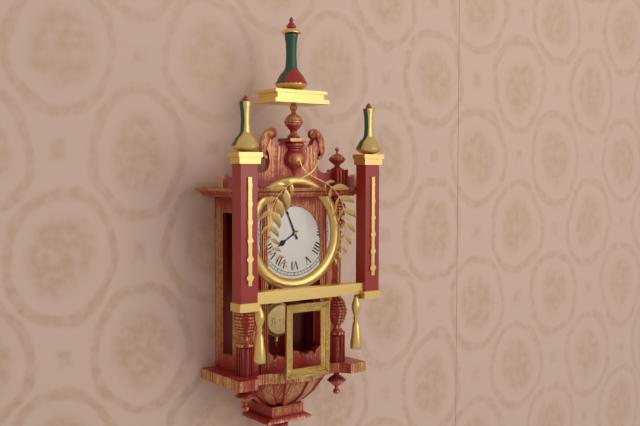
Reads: 7 h 56 min
